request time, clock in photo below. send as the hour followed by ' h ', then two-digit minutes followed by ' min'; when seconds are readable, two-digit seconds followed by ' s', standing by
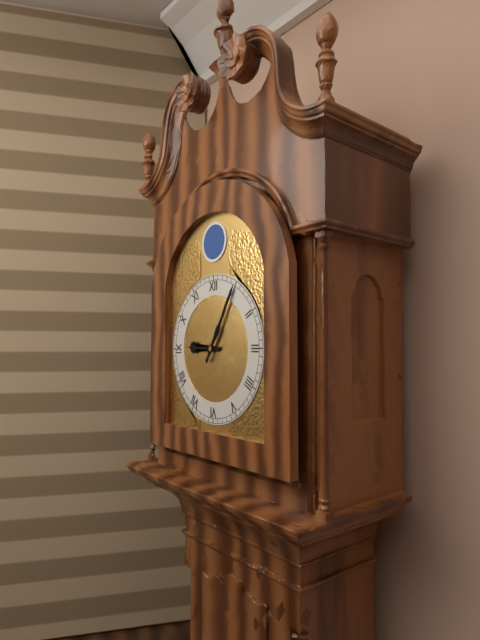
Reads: 9 h 05 min
